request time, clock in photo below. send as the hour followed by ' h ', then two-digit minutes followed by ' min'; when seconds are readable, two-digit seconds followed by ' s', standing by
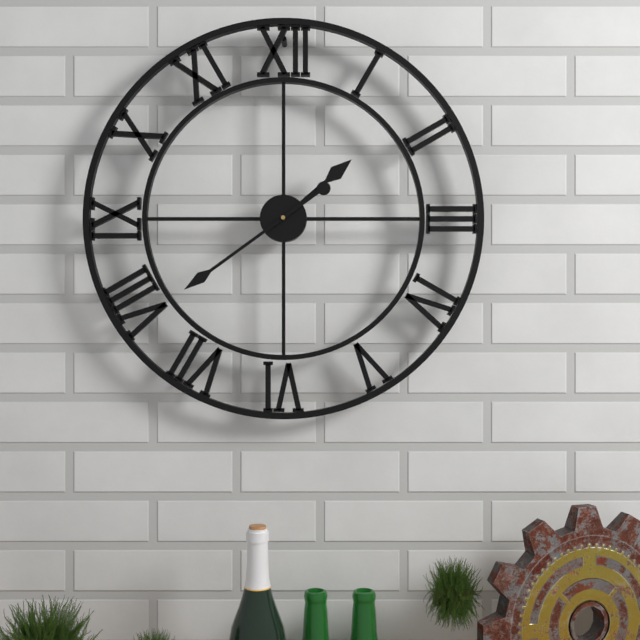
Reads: 1 h 39 min
